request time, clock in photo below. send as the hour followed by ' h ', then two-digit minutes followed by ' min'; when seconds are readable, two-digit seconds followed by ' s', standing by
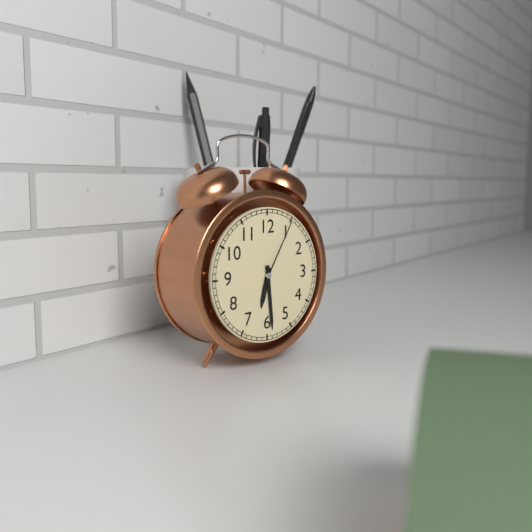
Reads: 6 h 29 min 05 s
